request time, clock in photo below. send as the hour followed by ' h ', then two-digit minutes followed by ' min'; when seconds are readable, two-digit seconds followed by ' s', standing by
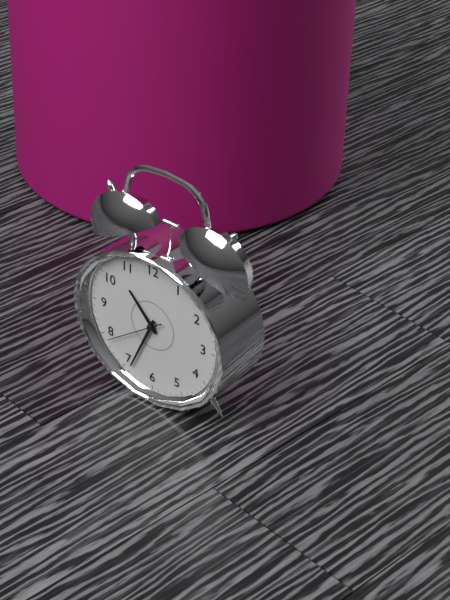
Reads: 10 h 34 min 39 s
